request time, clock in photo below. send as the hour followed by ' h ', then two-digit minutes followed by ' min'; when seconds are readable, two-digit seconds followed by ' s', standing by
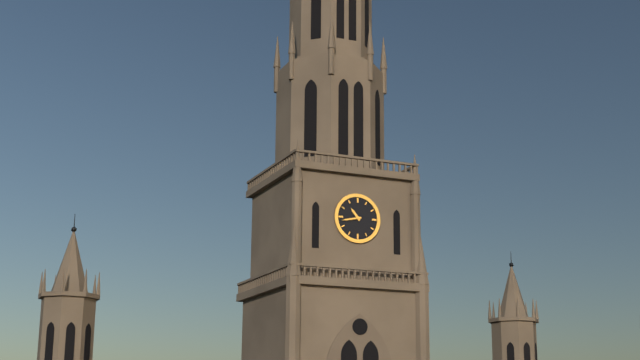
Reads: 10 h 43 min
